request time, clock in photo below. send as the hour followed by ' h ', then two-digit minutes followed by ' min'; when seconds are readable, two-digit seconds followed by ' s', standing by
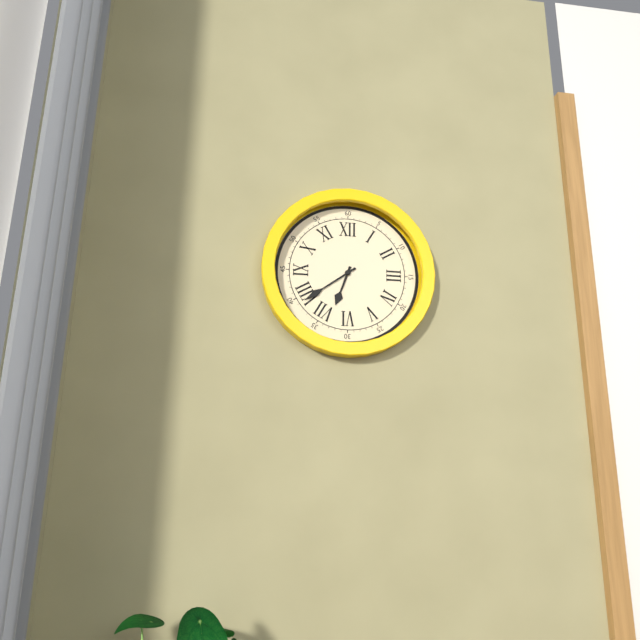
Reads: 6 h 39 min
